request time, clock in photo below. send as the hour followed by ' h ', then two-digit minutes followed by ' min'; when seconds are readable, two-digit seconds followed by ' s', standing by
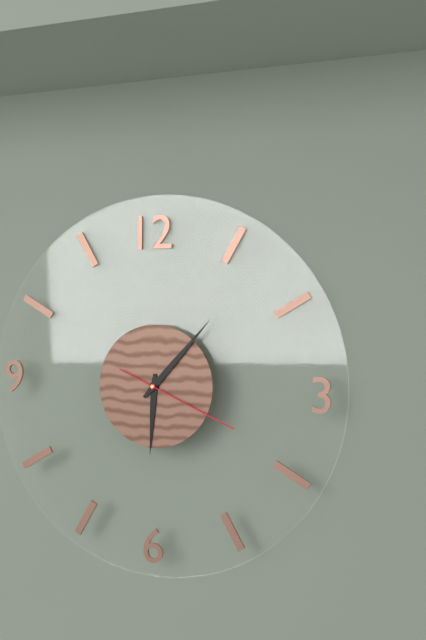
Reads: 6 h 07 min 19 s
